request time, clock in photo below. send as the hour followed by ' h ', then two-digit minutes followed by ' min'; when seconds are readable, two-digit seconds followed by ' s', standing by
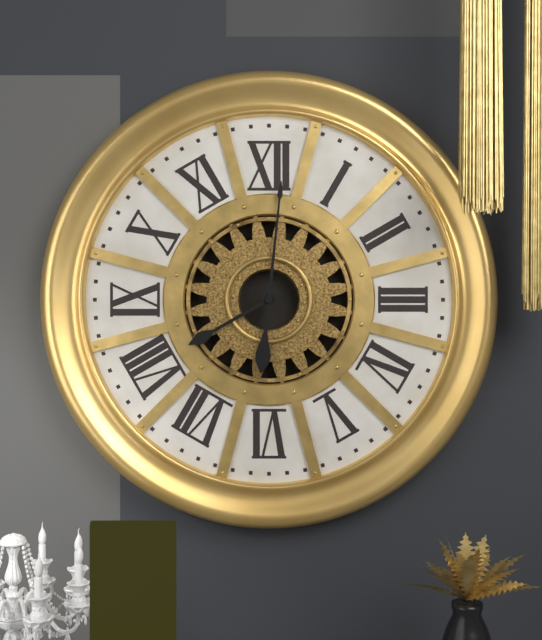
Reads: 8 h 01 min
